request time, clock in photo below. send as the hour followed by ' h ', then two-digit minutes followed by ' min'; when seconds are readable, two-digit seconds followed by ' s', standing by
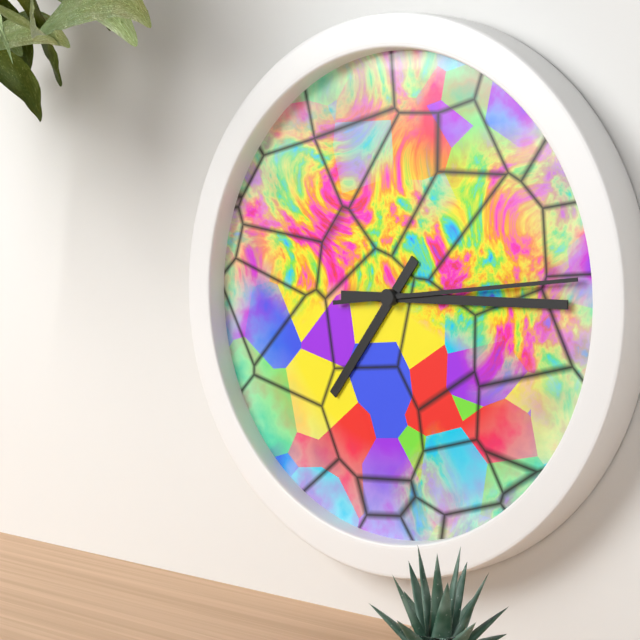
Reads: 7 h 15 min 14 s
